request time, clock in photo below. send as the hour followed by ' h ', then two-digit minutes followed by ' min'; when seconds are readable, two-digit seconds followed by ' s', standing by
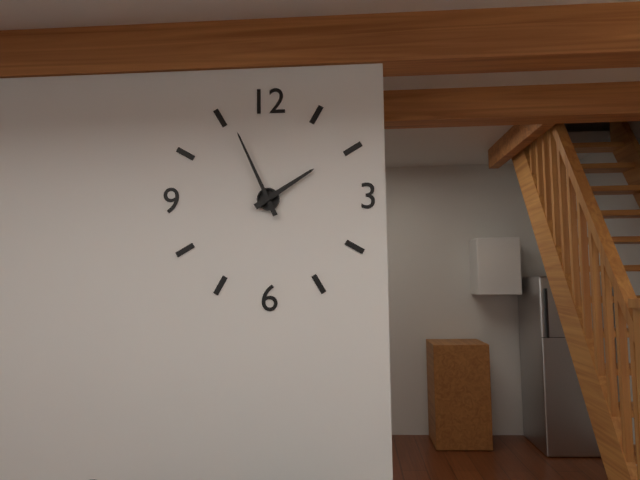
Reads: 1 h 56 min
